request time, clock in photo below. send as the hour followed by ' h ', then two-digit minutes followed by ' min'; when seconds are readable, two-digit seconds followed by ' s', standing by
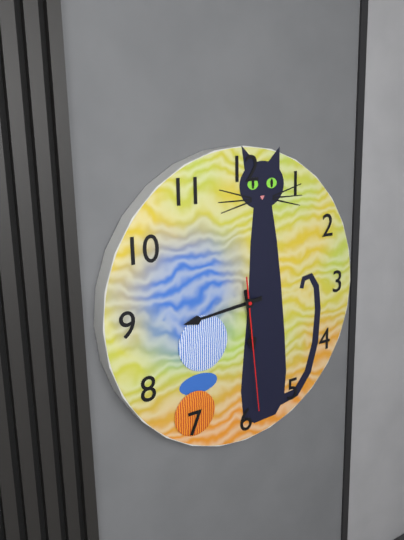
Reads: 5 h 44 min 29 s
